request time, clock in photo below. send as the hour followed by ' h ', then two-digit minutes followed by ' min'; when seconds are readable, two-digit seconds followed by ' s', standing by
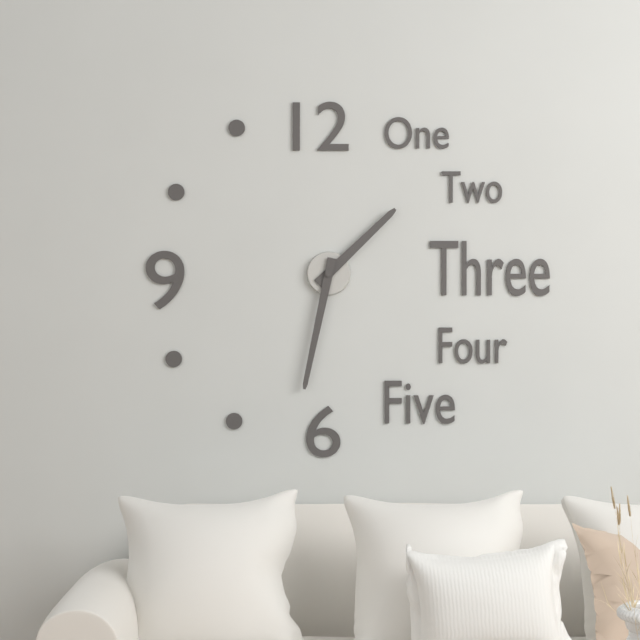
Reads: 1 h 32 min
